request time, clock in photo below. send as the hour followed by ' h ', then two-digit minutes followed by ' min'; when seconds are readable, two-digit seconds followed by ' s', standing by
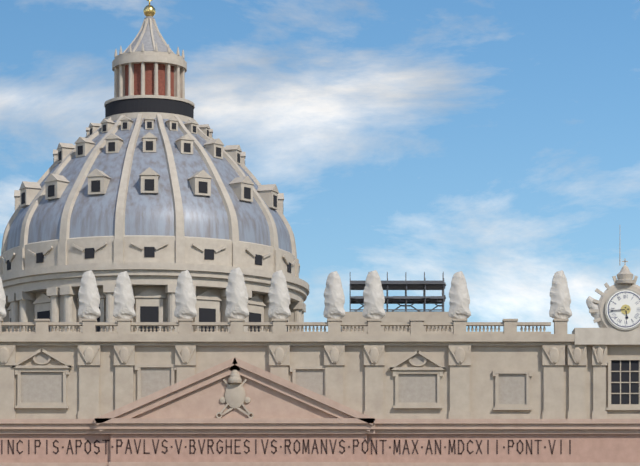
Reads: 5 h 44 min
